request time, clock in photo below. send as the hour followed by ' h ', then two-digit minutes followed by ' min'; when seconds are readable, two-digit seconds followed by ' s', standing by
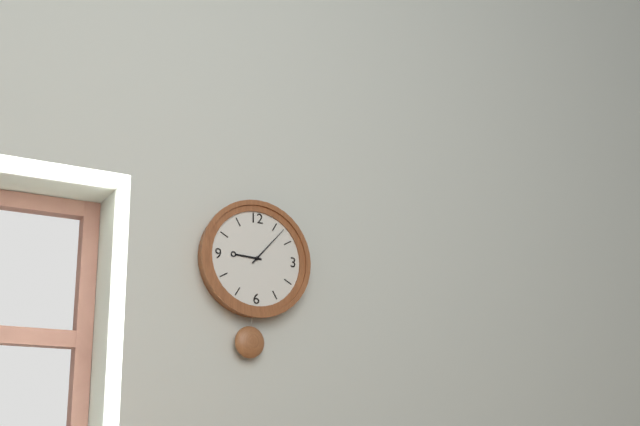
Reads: 9 h 07 min
